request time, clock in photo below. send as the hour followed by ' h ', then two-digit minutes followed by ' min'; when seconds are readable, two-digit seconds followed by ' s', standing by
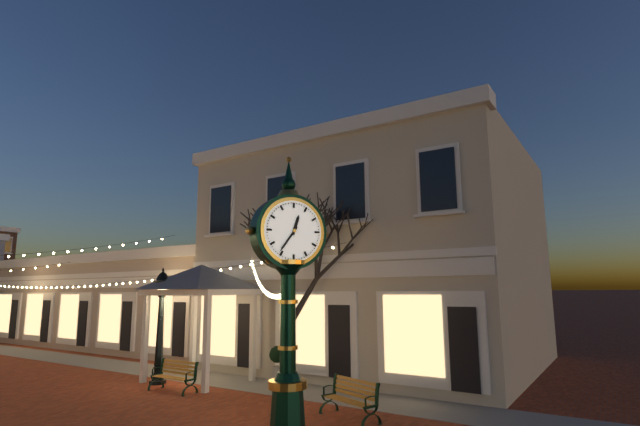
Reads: 12 h 36 min
